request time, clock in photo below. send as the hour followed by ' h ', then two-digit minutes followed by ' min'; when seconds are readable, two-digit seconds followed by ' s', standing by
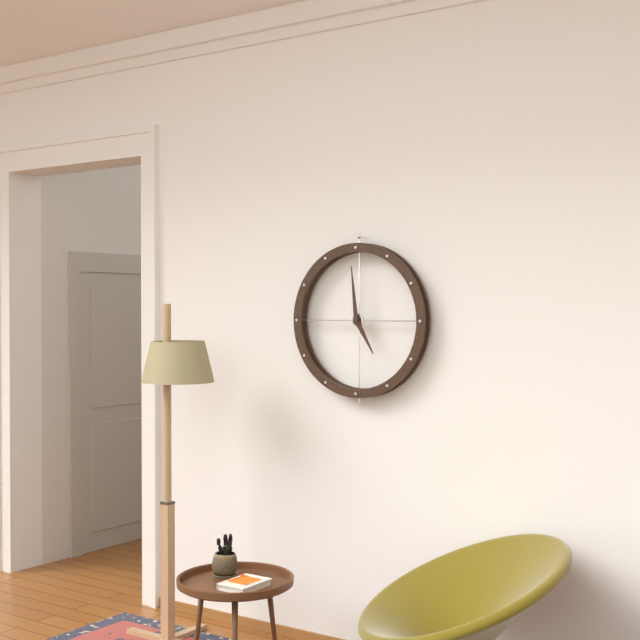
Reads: 4 h 59 min
